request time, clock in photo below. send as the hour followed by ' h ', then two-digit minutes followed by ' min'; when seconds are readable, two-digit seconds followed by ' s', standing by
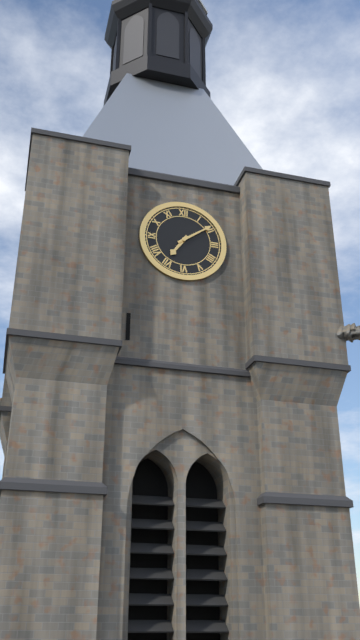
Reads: 7 h 09 min
